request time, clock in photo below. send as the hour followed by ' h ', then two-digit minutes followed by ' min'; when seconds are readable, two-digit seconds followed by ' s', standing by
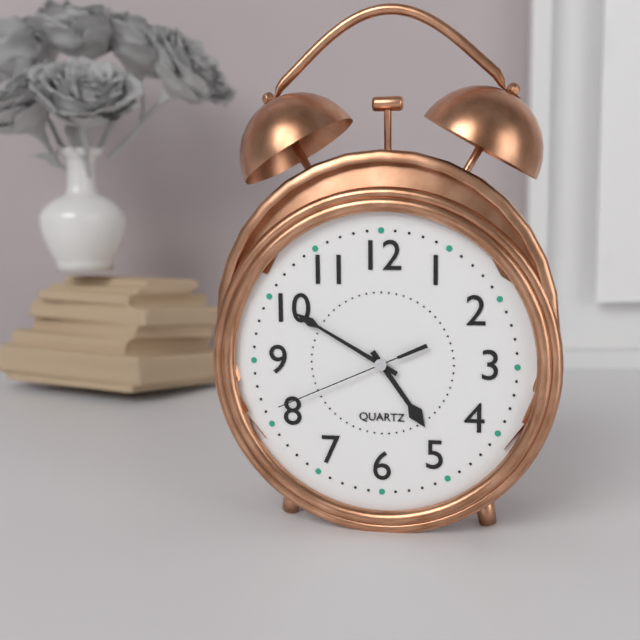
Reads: 4 h 50 min 41 s
